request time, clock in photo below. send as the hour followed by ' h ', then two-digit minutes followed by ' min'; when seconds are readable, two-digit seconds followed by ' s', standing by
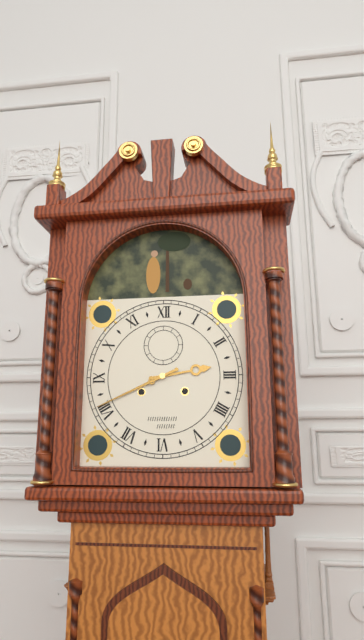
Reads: 2 h 41 min
